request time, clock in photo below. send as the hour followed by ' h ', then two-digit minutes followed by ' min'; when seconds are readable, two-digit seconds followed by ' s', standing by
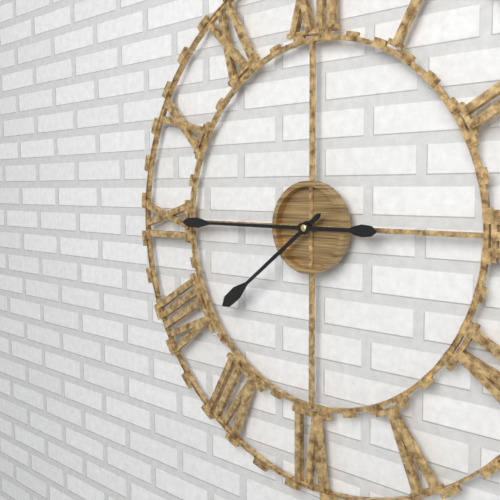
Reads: 7 h 45 min
